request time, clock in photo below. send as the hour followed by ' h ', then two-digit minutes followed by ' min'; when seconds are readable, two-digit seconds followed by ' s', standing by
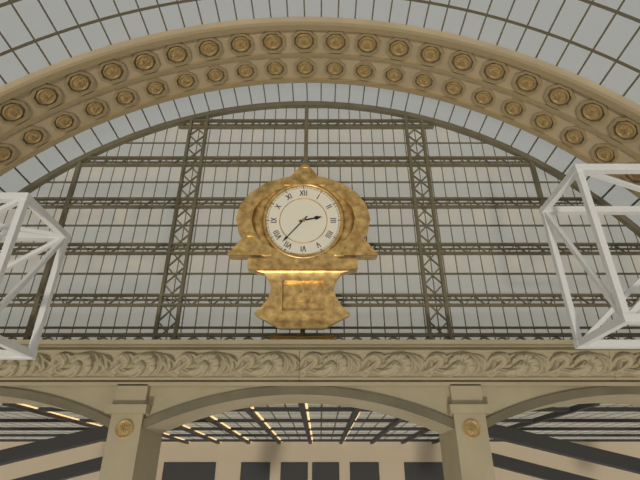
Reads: 2 h 37 min
